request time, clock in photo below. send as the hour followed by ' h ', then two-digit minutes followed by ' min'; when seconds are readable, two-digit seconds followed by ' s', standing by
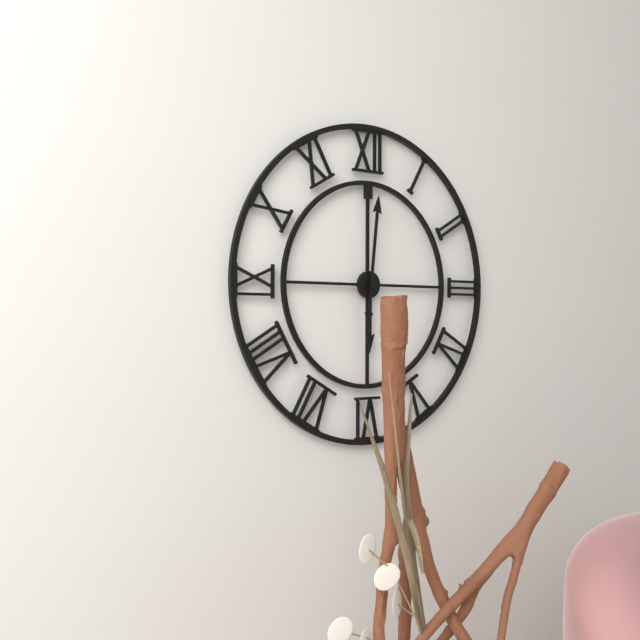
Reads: 6 h 01 min
